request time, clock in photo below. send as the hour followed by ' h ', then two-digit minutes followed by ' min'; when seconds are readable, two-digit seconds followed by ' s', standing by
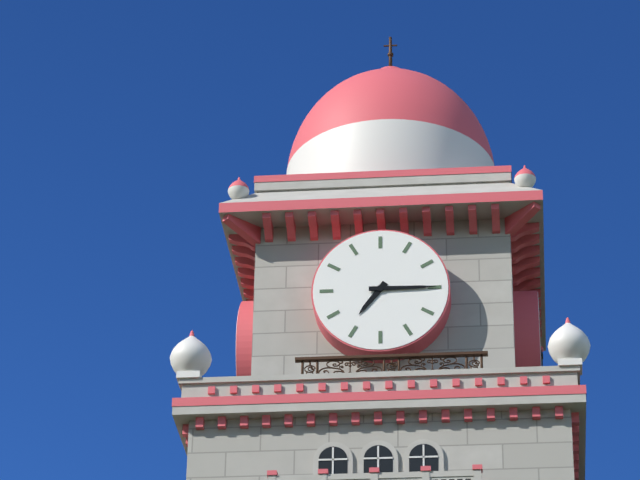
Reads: 7 h 15 min
